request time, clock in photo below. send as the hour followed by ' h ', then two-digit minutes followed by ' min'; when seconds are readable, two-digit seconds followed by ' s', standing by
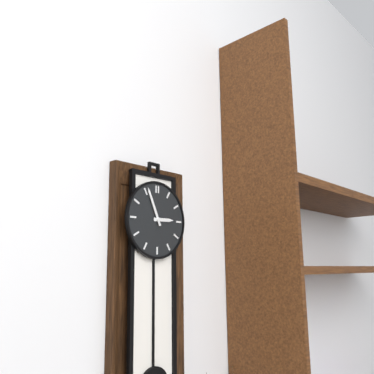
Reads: 2 h 56 min
